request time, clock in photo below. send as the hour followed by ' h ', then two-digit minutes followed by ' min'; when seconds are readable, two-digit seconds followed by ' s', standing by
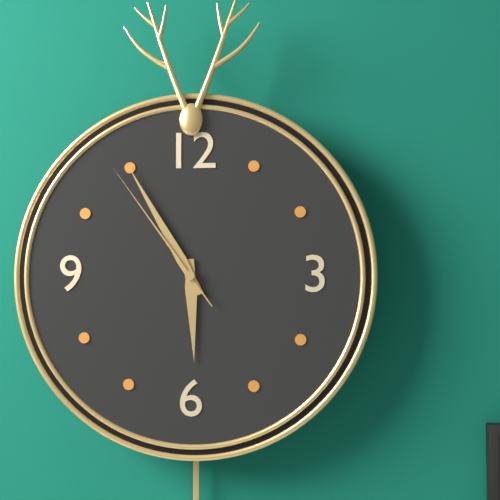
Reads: 5 h 55 min 54 s
